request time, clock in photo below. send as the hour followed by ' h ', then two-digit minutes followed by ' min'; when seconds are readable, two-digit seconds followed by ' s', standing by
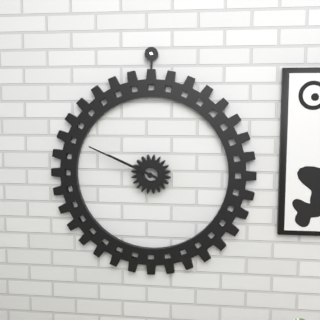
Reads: 9 h 49 min
